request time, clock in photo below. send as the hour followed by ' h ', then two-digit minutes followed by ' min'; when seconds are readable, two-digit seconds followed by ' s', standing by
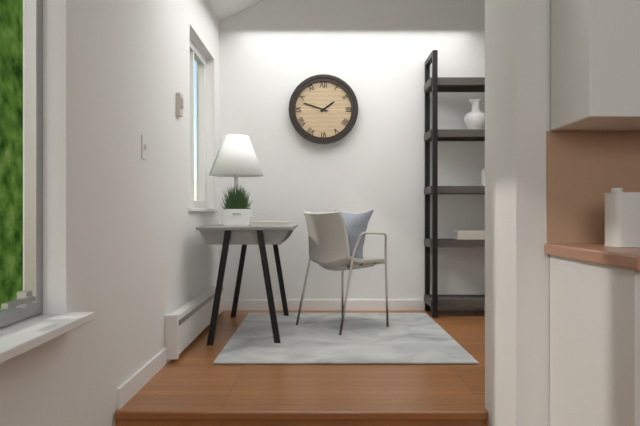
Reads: 1 h 48 min
